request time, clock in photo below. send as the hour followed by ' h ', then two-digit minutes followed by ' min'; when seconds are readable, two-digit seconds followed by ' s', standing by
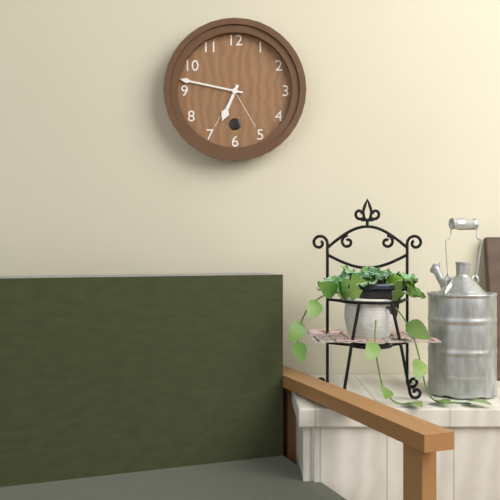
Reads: 6 h 47 min
